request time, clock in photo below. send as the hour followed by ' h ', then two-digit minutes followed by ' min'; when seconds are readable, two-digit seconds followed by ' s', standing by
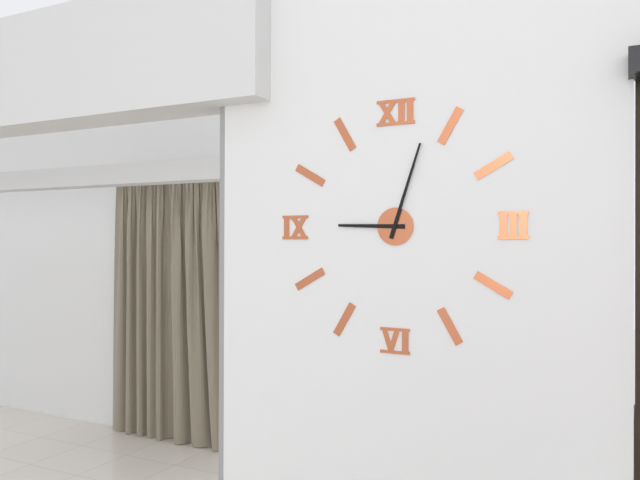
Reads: 9 h 03 min
